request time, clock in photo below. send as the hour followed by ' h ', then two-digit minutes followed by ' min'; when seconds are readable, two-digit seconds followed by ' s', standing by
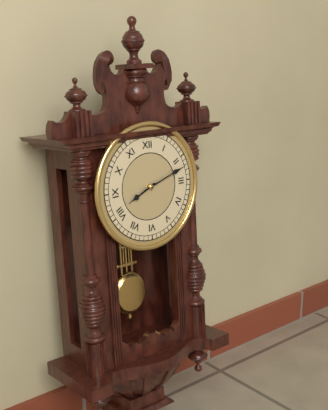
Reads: 8 h 12 min
